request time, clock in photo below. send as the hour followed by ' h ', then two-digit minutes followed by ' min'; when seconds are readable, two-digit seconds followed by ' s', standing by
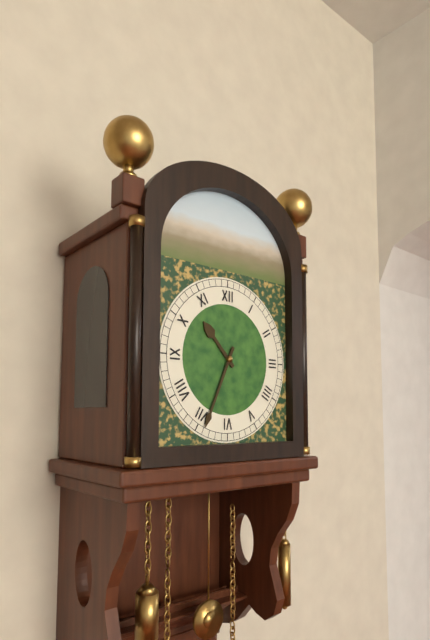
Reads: 10 h 34 min
